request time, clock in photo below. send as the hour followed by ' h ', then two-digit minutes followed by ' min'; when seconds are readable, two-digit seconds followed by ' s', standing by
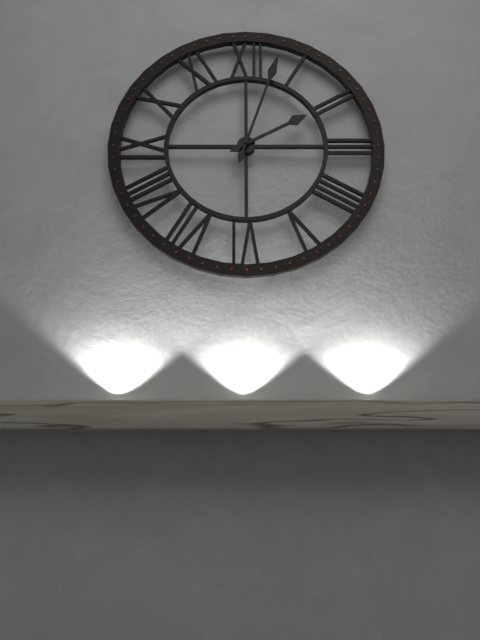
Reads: 2 h 03 min
